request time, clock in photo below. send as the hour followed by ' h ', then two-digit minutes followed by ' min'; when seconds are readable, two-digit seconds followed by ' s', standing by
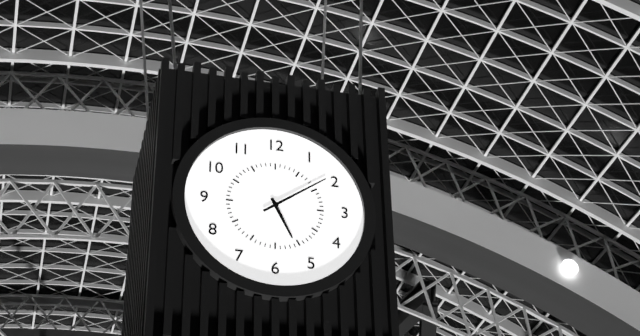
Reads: 5 h 09 min
